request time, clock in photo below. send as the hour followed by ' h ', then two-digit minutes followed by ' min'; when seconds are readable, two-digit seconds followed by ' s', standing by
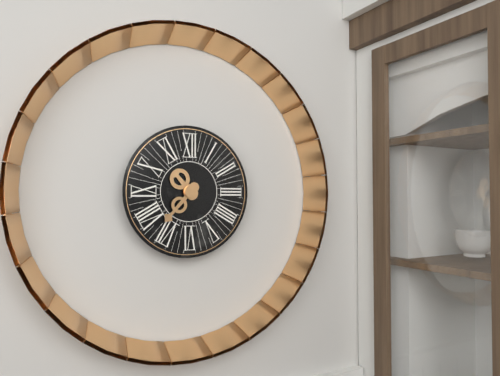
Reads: 10 h 37 min
